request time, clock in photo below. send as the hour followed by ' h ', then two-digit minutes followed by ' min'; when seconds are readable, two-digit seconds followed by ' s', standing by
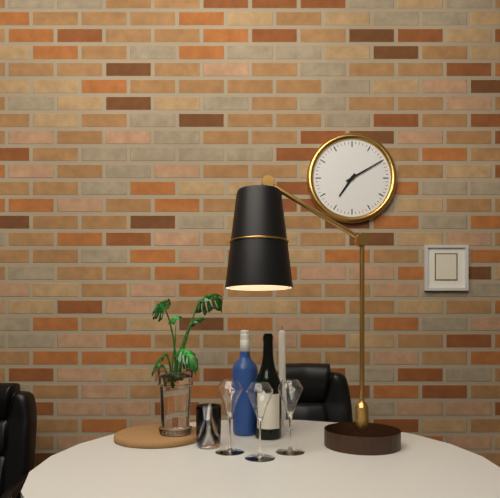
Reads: 7 h 10 min
